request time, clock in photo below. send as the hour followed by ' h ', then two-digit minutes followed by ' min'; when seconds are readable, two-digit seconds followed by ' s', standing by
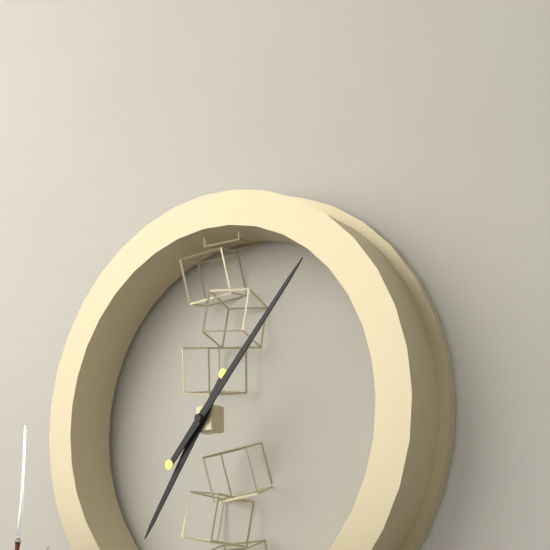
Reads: 7 h 07 min
